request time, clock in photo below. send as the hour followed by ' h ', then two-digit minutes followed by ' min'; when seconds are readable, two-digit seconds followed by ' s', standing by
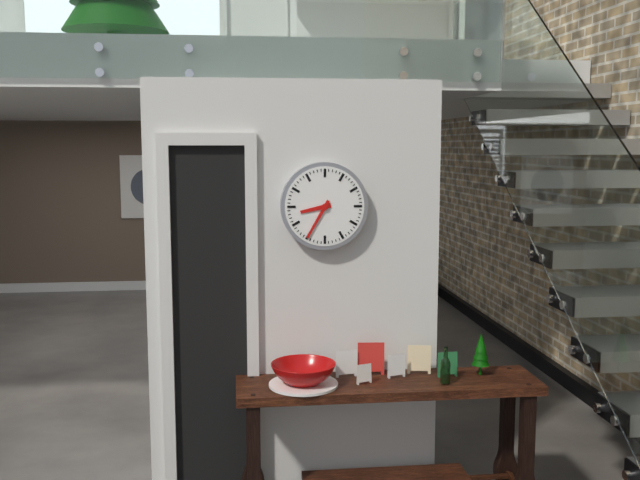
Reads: 8 h 35 min
